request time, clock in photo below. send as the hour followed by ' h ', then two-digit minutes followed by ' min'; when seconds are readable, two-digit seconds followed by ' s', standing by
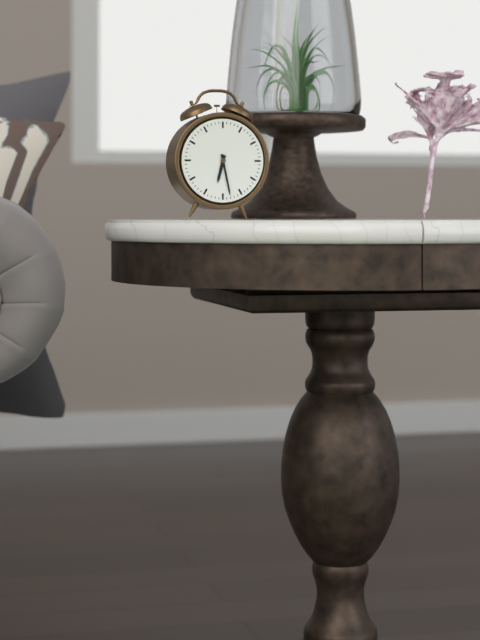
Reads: 6 h 28 min
